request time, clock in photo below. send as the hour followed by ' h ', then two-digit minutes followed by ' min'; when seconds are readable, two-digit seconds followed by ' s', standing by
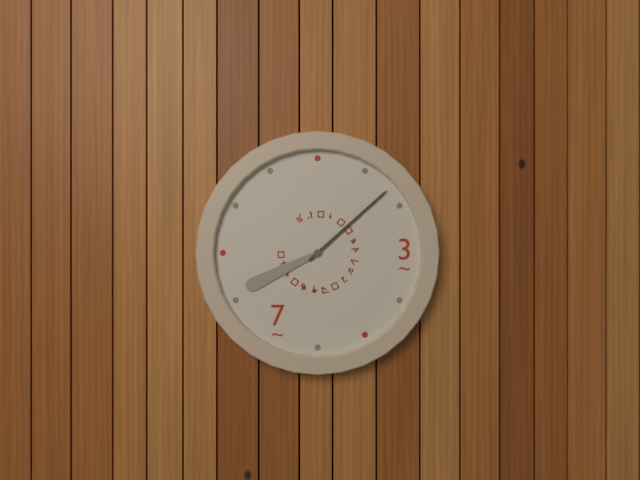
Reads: 8 h 08 min
